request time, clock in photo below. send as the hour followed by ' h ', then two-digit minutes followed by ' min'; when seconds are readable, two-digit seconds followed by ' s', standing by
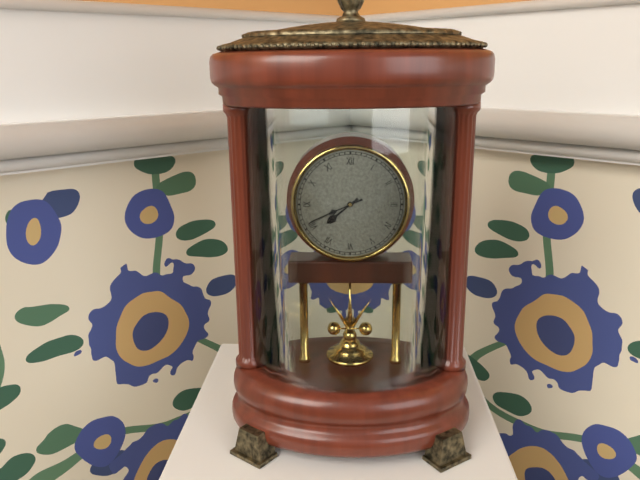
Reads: 7 h 41 min
